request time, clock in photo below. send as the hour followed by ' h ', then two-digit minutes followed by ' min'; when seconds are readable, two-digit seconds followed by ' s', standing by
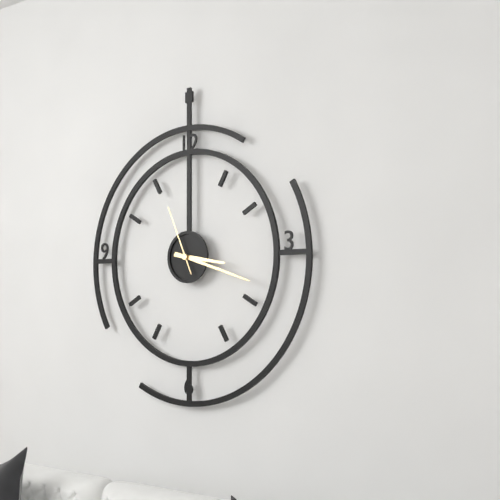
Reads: 3 h 18 min 56 s
